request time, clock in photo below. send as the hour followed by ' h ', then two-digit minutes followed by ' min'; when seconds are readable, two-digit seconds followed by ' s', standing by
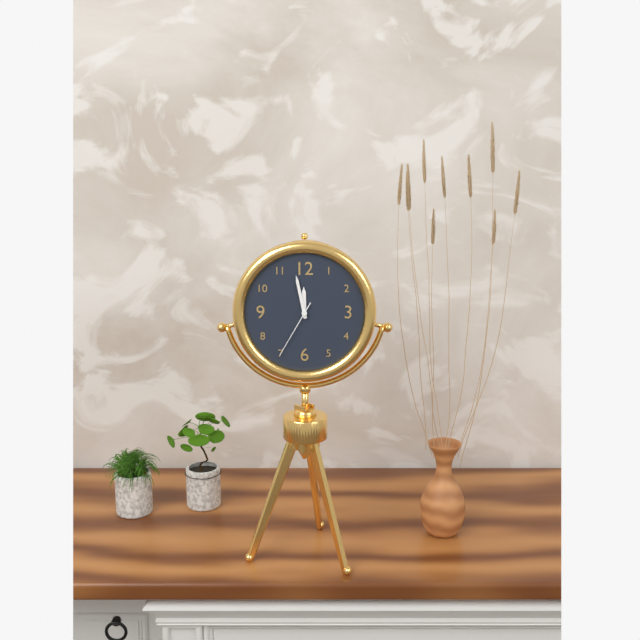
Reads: 11 h 58 min 35 s
